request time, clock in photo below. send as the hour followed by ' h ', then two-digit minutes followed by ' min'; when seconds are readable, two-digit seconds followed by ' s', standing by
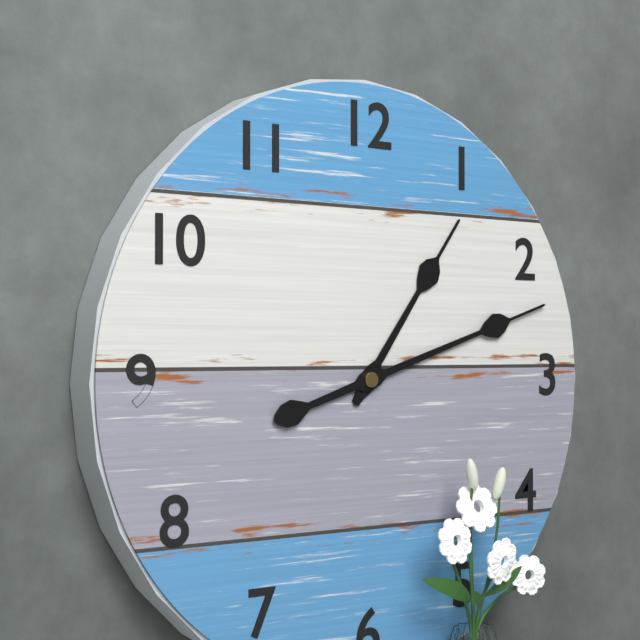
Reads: 1 h 12 min
